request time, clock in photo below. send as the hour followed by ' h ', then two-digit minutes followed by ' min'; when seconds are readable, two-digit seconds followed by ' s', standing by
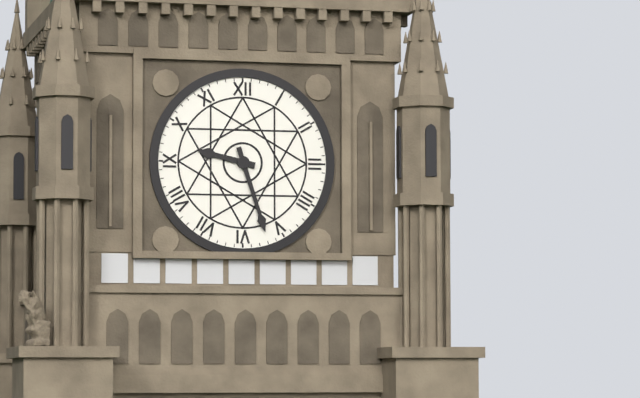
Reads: 9 h 27 min
